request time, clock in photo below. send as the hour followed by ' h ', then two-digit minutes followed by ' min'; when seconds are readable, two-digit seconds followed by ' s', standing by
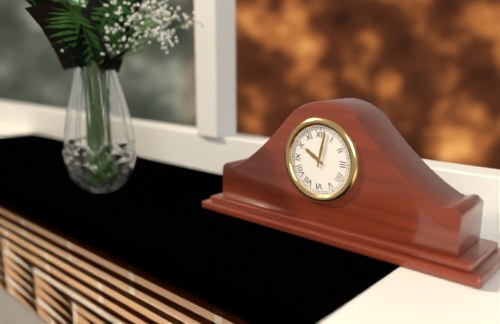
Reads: 10 h 02 min
